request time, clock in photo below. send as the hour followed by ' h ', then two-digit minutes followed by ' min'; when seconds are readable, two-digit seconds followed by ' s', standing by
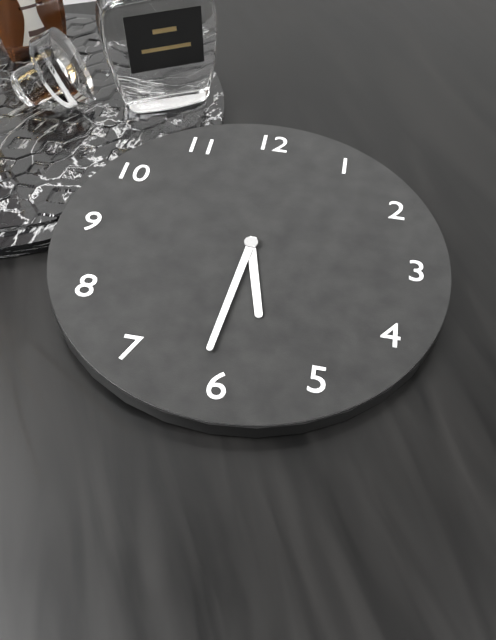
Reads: 5 h 31 min
